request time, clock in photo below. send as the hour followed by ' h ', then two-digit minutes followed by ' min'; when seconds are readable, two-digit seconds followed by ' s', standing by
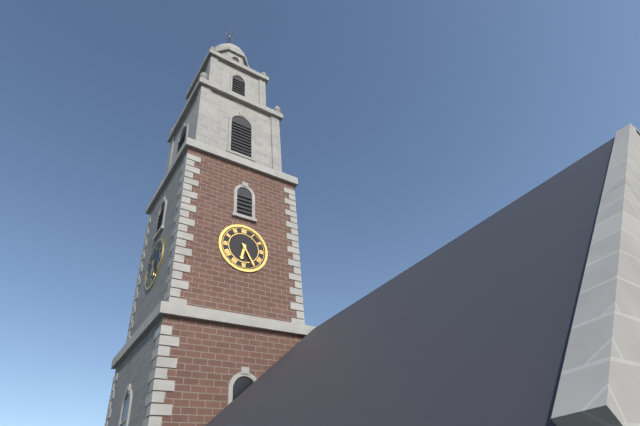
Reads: 6 h 25 min
